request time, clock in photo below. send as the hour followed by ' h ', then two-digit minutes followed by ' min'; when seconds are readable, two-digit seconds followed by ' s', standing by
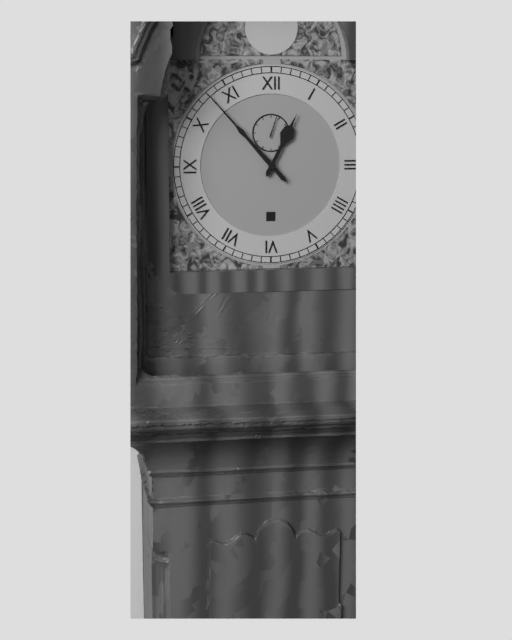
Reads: 12 h 53 min
